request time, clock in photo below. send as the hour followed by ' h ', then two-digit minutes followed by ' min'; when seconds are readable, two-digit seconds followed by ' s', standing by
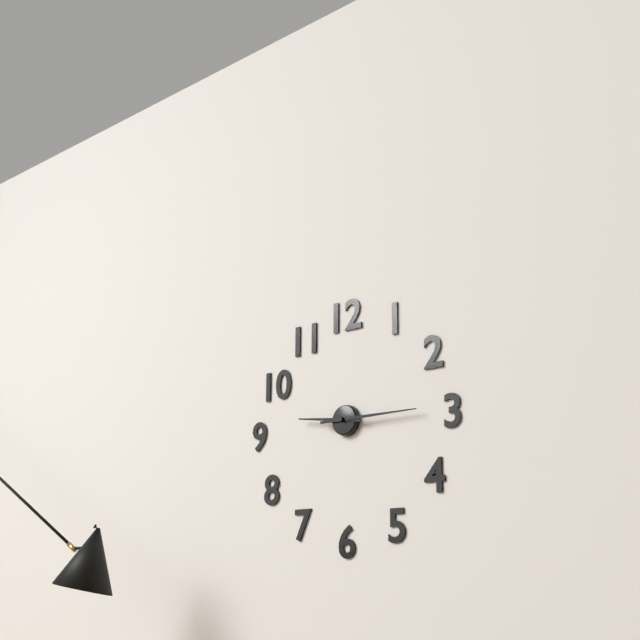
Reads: 9 h 15 min
